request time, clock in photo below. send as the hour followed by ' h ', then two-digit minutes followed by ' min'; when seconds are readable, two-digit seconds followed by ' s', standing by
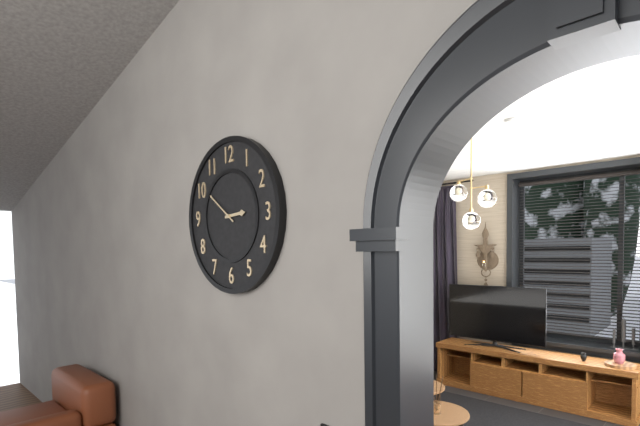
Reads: 2 h 51 min
